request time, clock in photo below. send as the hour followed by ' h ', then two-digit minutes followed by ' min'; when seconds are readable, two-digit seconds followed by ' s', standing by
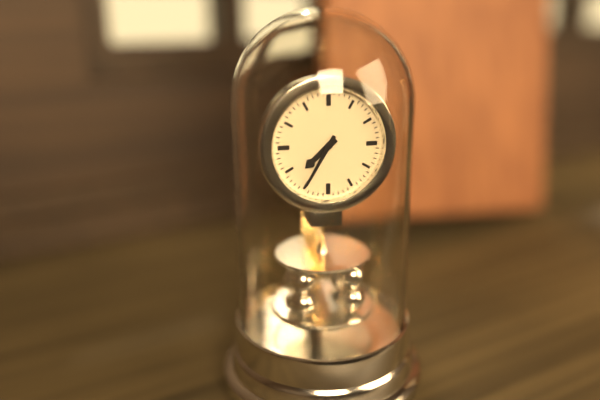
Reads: 7 h 35 min
